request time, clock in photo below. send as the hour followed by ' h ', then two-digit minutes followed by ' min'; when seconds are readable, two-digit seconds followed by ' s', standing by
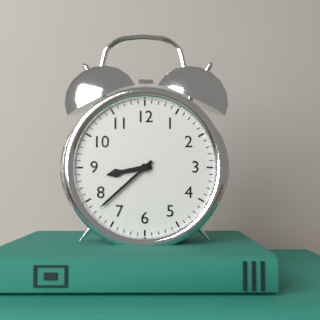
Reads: 8 h 38 min
